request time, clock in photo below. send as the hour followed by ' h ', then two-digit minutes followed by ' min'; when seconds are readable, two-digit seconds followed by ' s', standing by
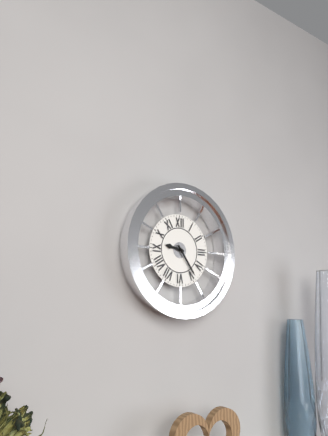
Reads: 9 h 24 min
